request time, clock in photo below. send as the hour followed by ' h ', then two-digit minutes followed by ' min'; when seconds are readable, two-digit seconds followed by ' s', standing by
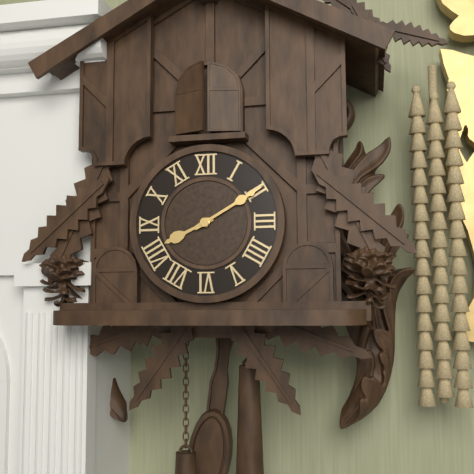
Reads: 8 h 10 min
